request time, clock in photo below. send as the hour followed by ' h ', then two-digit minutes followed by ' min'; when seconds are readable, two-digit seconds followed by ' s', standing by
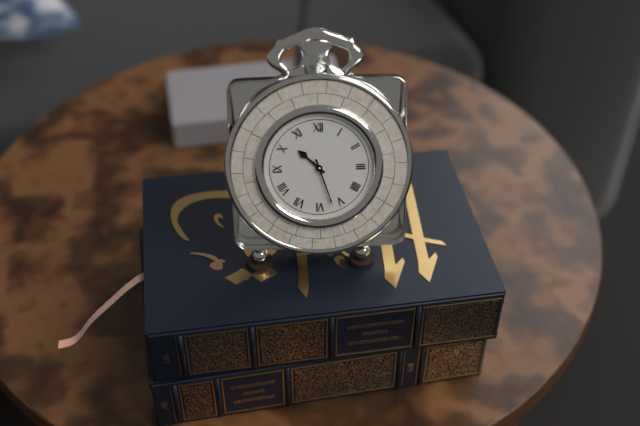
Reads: 10 h 27 min
